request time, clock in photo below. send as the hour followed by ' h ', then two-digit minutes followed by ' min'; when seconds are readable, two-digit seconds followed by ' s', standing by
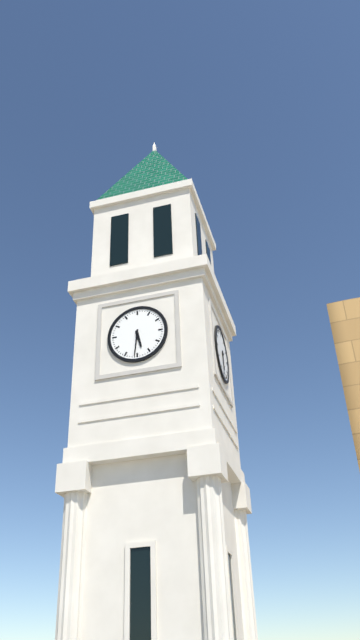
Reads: 5 h 31 min
